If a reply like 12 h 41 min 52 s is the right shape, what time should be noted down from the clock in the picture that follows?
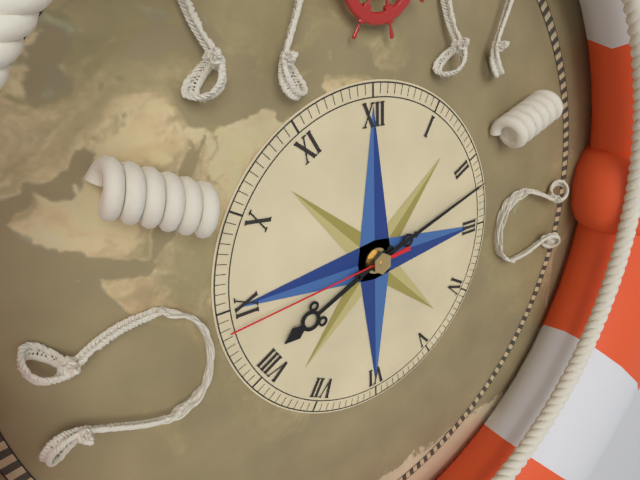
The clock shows 8 h 12 min 44 s
